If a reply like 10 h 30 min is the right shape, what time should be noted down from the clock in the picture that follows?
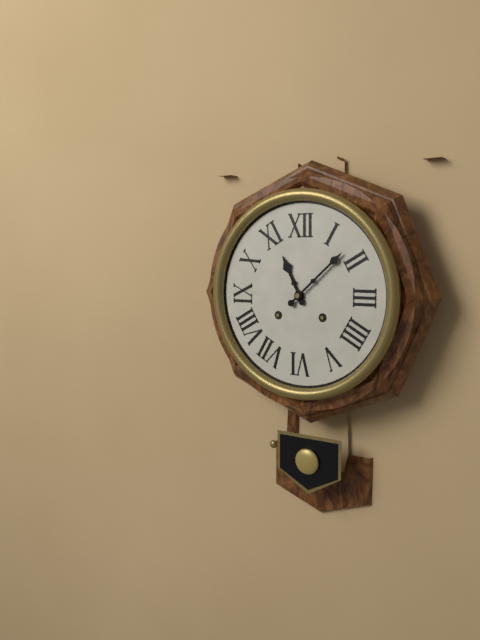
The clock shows 11 h 08 min
